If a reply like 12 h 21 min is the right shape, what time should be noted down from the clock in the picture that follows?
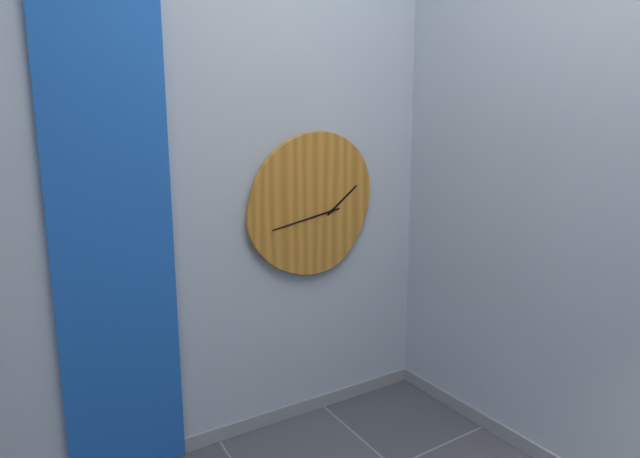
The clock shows 1 h 43 min
